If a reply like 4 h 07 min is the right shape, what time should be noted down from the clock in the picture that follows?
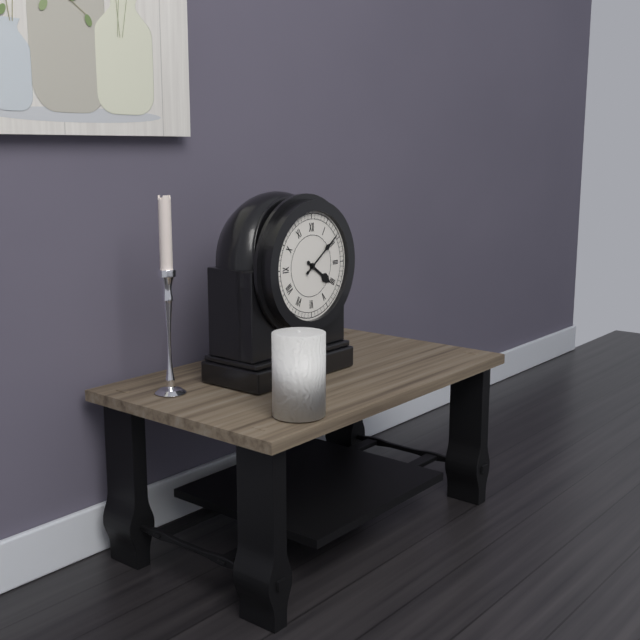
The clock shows 4 h 09 min
